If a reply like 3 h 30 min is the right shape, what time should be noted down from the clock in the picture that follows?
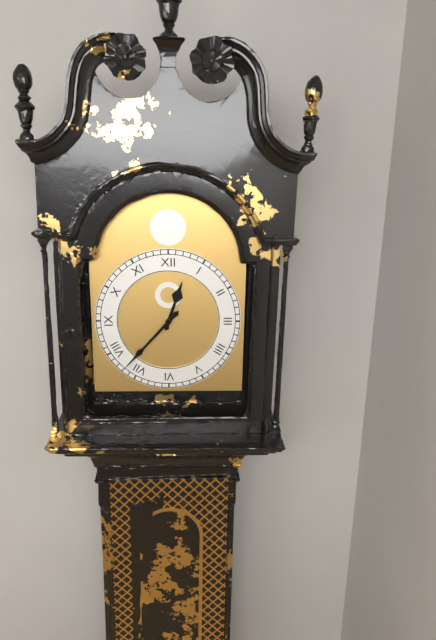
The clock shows 12 h 37 min
